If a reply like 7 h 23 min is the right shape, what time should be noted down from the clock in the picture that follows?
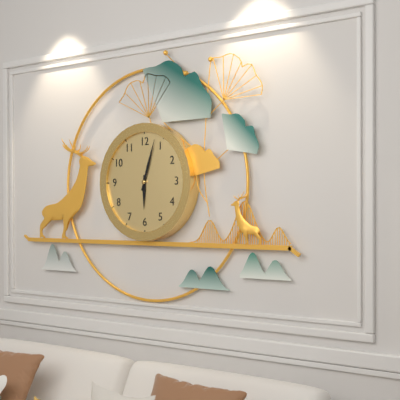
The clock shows 6 h 03 min
